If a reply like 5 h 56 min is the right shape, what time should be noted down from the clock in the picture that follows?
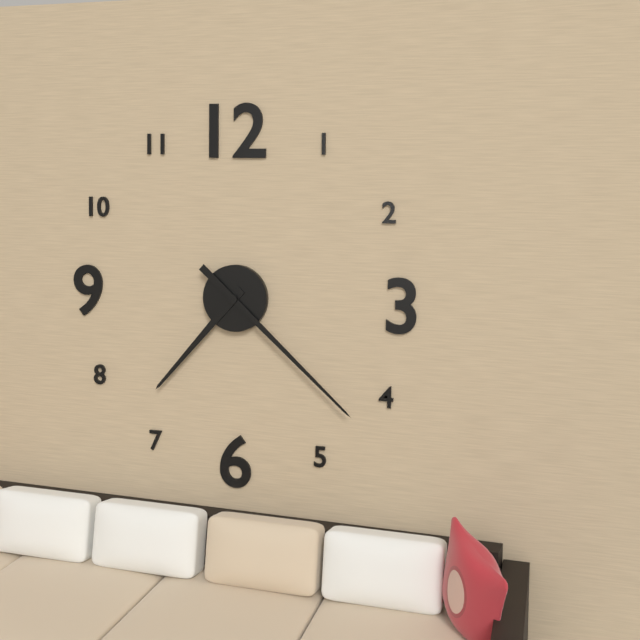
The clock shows 7 h 22 min
